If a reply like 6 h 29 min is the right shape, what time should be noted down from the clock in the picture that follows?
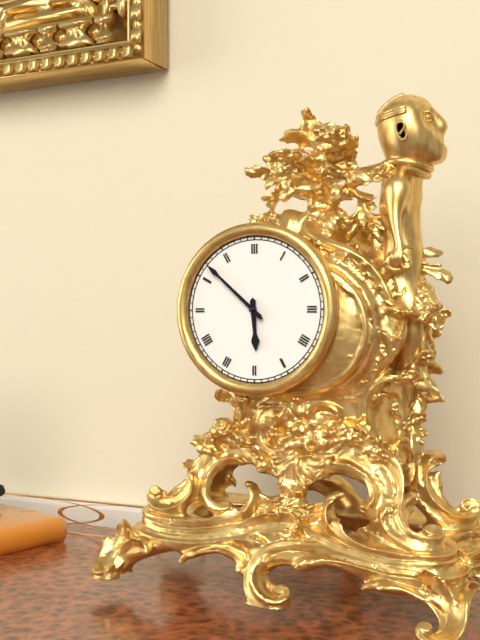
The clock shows 5 h 52 min
